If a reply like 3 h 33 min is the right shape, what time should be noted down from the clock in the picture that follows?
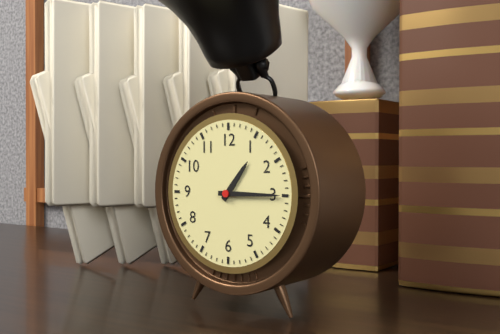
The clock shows 1 h 15 min
